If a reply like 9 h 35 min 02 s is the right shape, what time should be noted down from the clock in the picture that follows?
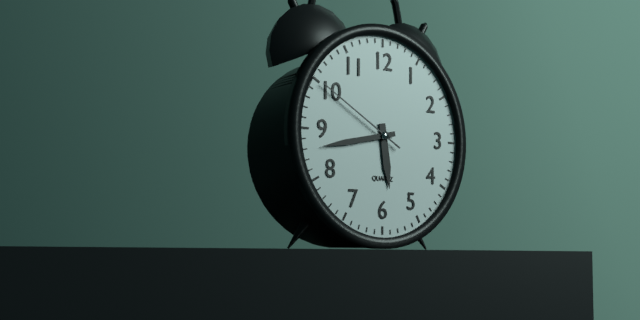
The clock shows 5 h 43 min 50 s
